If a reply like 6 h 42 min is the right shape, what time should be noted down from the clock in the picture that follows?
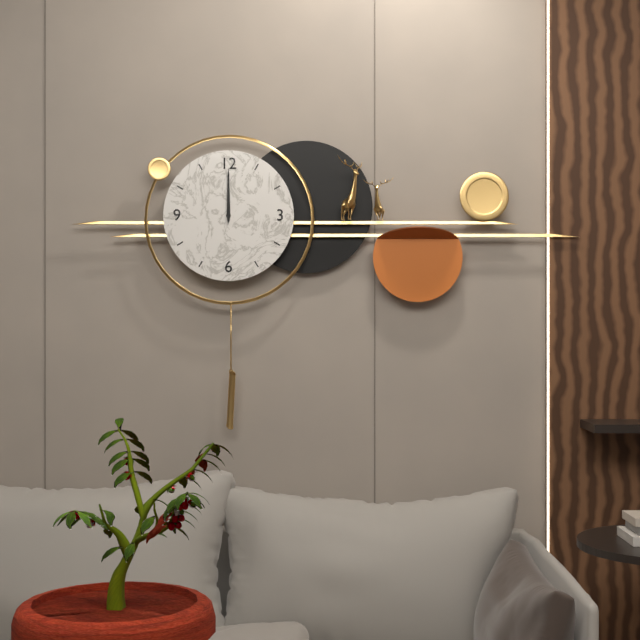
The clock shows 12 h 00 min
